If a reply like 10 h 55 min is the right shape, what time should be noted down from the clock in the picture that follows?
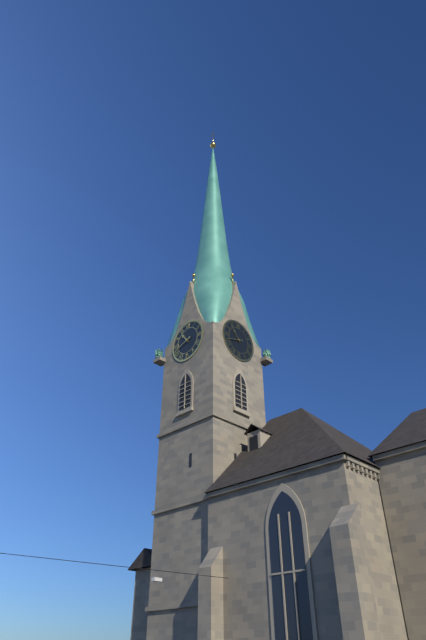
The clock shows 10 h 42 min
